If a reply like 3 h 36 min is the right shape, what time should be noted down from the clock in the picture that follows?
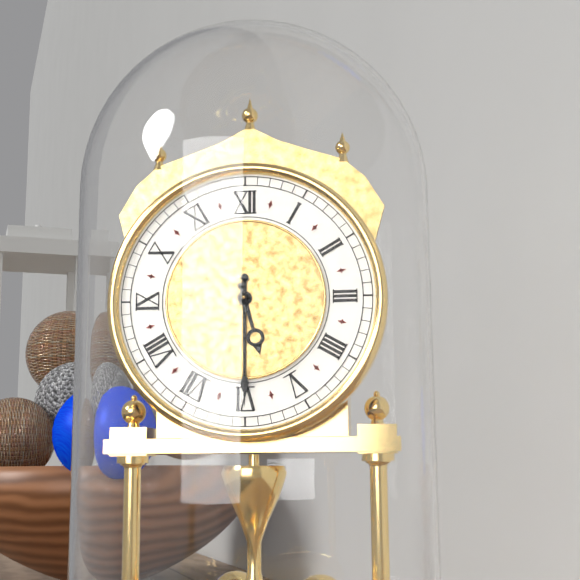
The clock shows 5 h 30 min
